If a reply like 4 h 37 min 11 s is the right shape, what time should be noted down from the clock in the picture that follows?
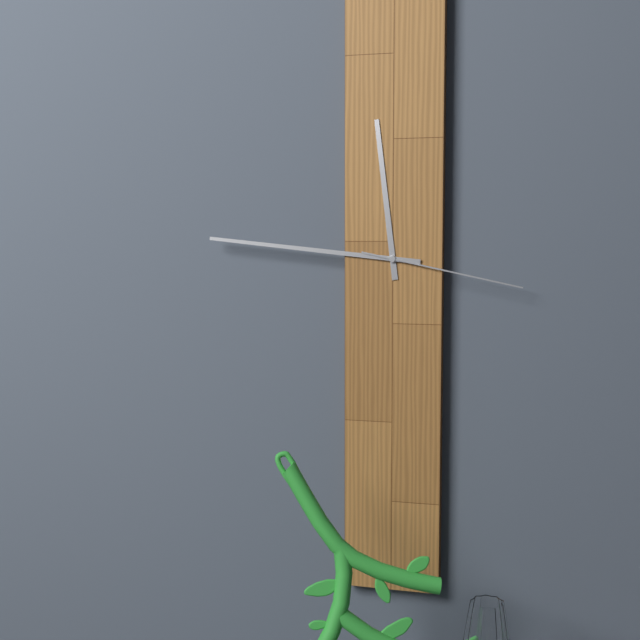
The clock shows 11 h 46 min 17 s
